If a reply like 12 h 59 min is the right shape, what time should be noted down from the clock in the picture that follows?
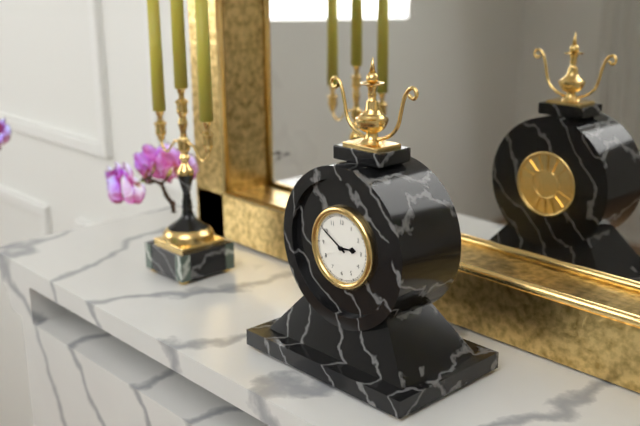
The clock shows 2 h 50 min
